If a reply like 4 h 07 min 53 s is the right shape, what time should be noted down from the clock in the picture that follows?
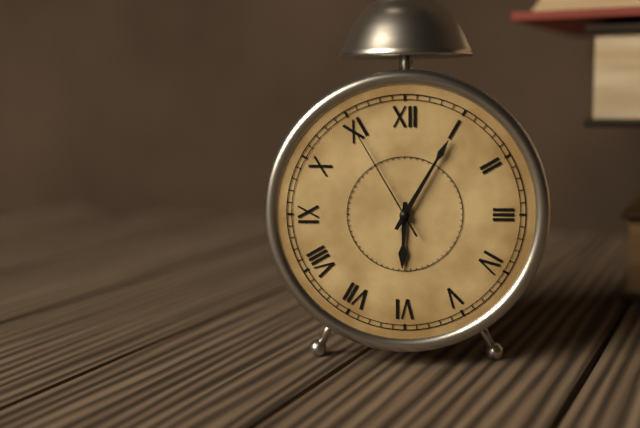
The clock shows 6 h 05 min 55 s
